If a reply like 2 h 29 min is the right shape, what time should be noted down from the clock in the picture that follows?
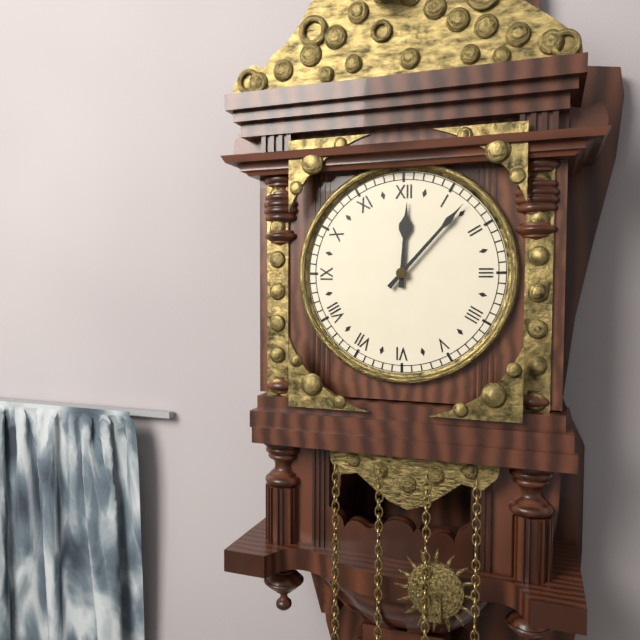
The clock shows 12 h 07 min
